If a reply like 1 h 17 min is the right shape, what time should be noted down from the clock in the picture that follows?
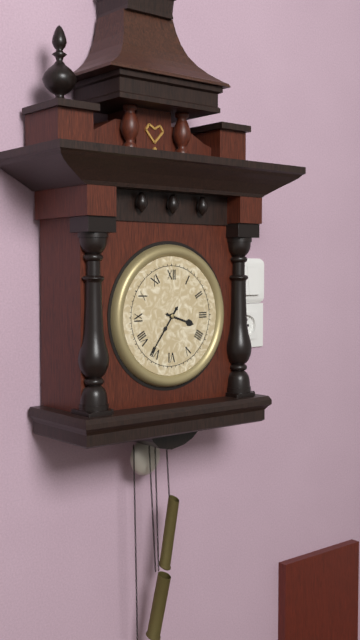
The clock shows 3 h 36 min
